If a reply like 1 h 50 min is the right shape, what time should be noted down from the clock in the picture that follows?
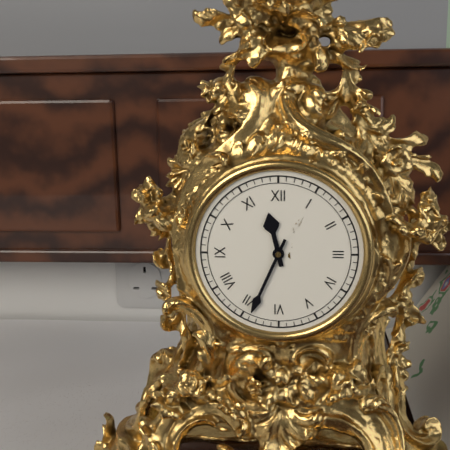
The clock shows 11 h 34 min
